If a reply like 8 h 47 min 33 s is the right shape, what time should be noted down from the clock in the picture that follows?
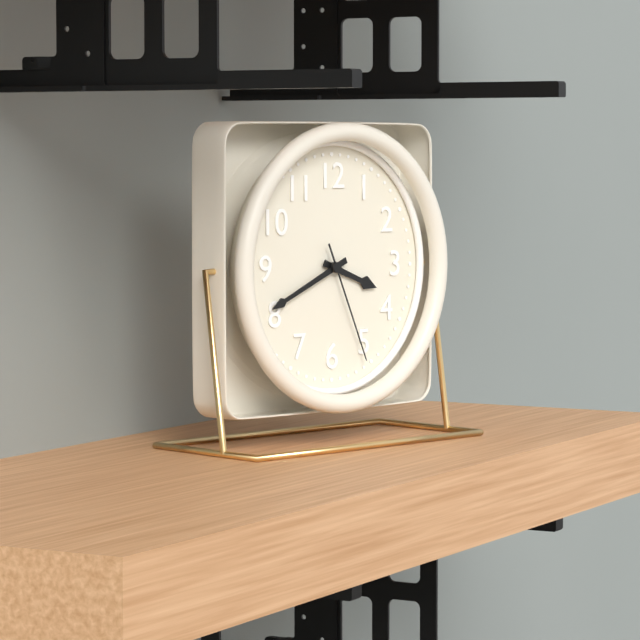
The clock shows 3 h 41 min 26 s
